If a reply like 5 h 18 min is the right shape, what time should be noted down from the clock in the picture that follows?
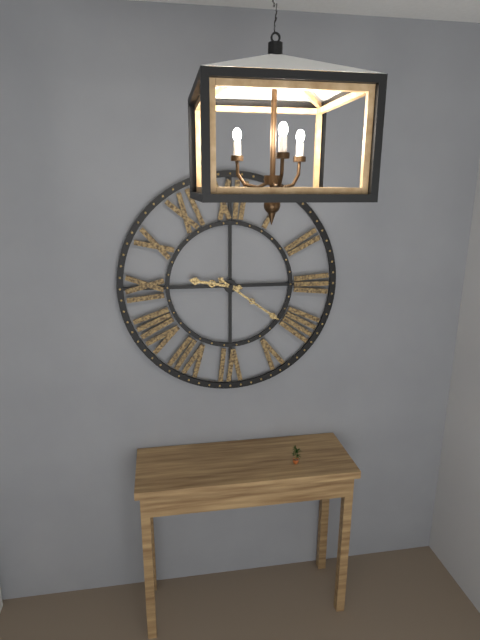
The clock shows 9 h 21 min
